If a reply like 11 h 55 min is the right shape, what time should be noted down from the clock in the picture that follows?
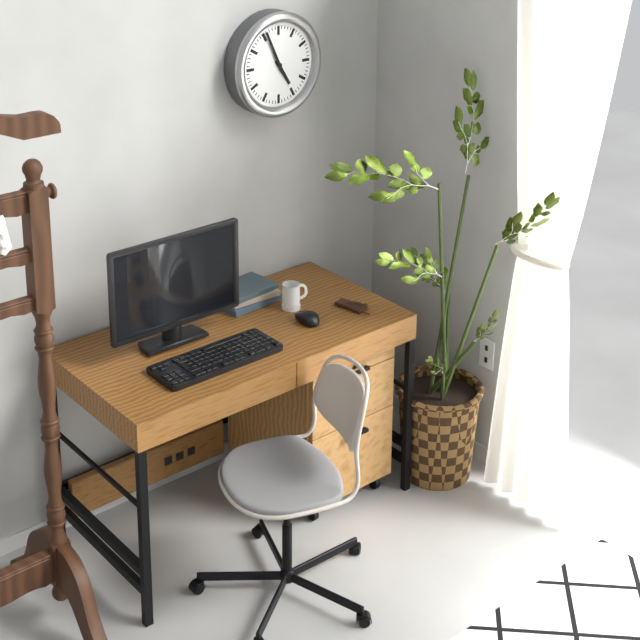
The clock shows 4 h 56 min
